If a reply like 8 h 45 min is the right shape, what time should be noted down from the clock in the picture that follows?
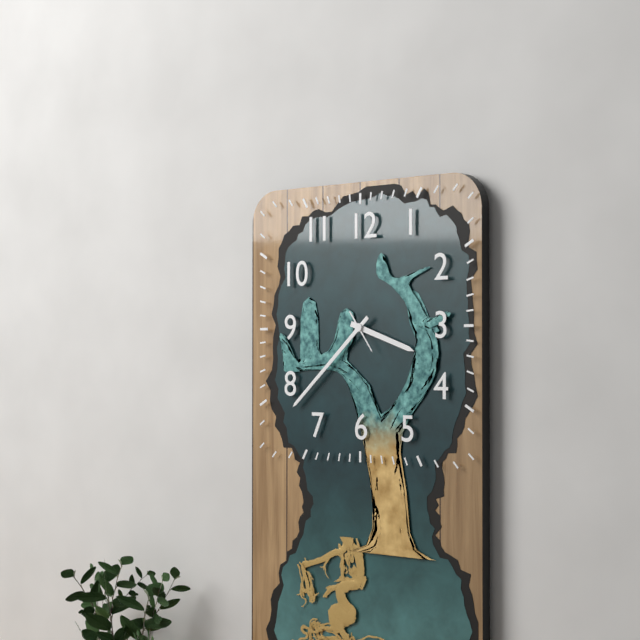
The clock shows 3 h 38 min
